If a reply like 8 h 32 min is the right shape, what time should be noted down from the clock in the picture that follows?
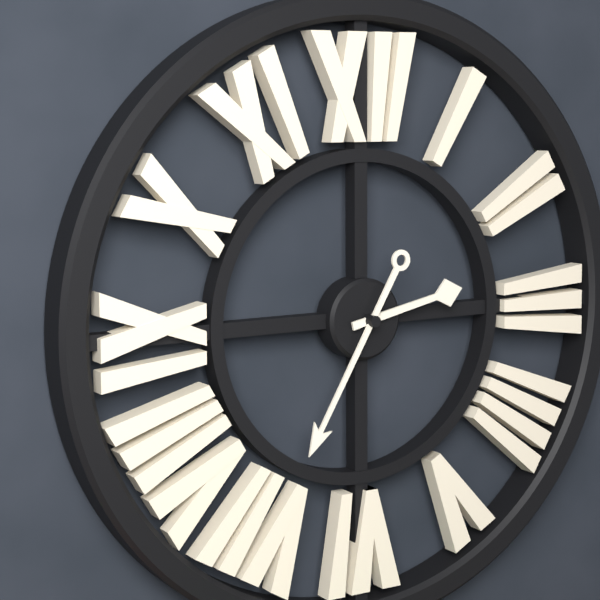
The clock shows 2 h 35 min
